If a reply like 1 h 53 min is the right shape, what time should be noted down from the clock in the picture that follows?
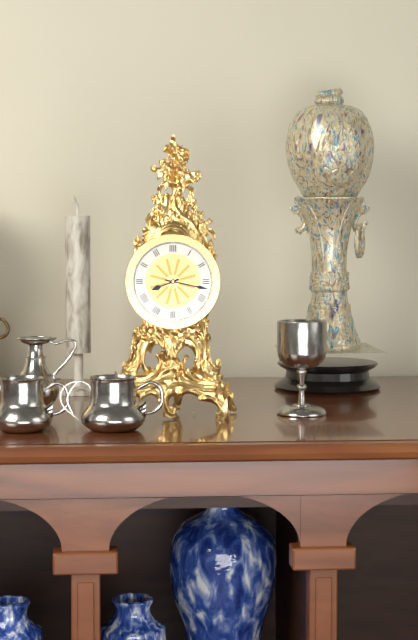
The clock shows 8 h 17 min
